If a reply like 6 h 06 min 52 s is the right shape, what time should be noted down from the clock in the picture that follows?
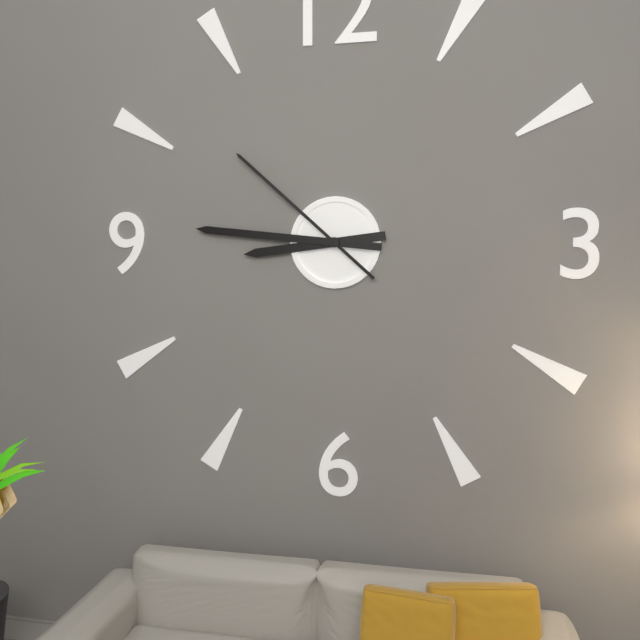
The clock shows 8 h 46 min 52 s
